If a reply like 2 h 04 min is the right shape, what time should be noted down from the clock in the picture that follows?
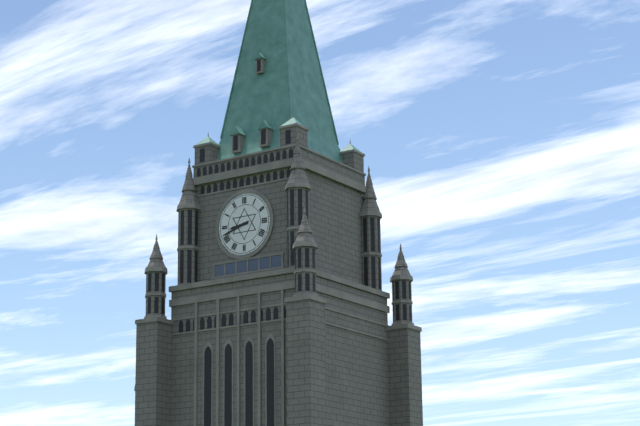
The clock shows 8 h 42 min
